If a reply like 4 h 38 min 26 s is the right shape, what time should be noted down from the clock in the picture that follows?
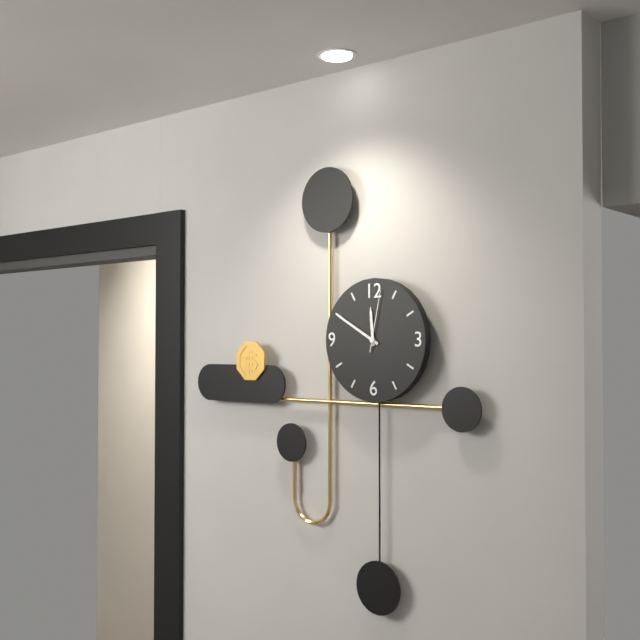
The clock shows 11 h 50 min 02 s
